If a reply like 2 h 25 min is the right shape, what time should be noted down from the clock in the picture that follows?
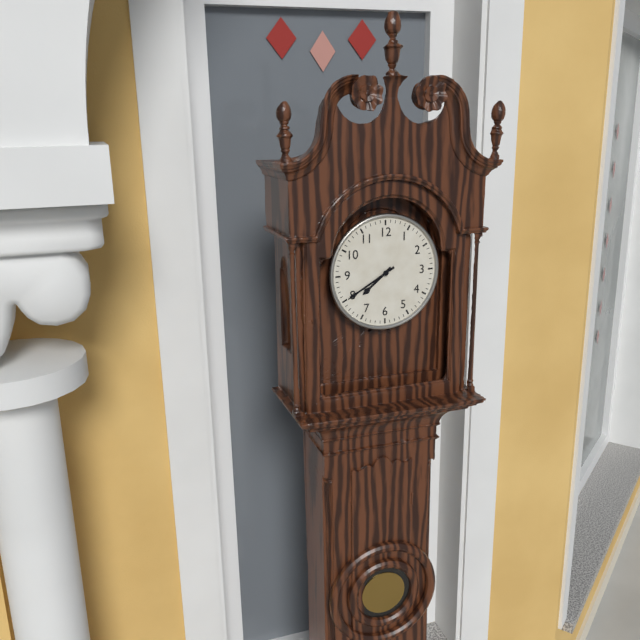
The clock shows 7 h 40 min
